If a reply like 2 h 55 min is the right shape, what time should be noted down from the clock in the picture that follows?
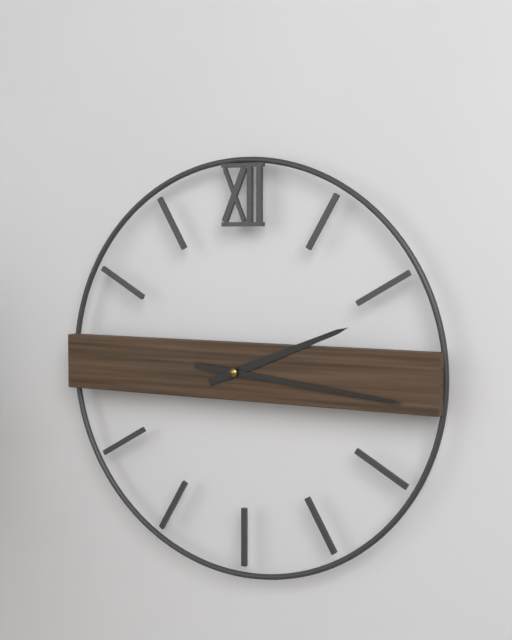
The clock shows 2 h 16 min
